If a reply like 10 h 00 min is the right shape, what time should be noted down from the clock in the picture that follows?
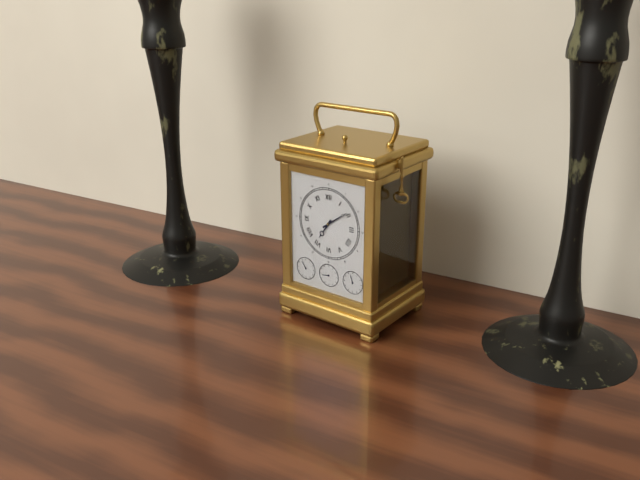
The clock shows 7 h 09 min
